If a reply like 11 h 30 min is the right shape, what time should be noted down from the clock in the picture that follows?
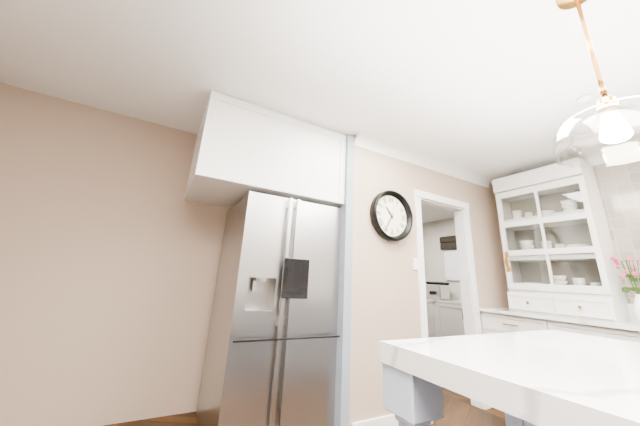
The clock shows 10 h 35 min
